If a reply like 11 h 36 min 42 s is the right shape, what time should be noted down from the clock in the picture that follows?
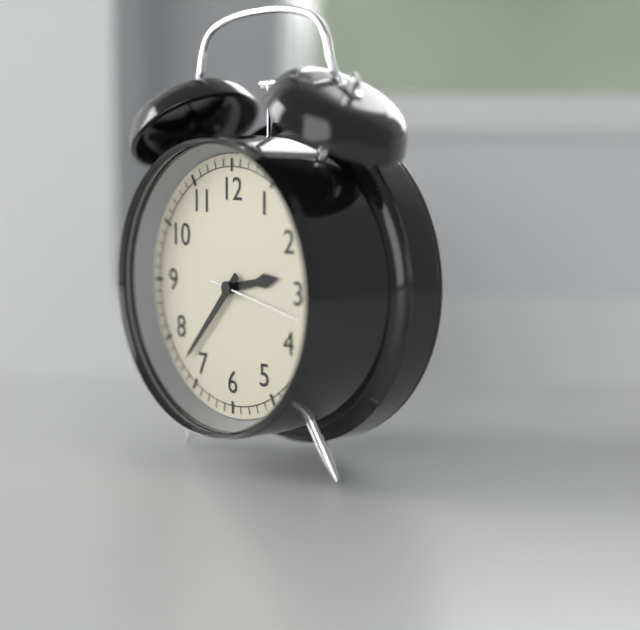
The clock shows 2 h 37 min 17 s
